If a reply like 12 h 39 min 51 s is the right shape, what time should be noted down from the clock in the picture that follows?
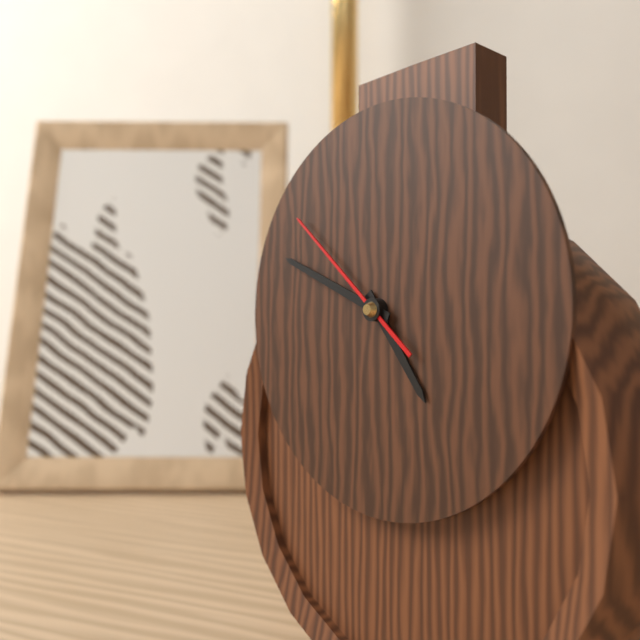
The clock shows 4 h 49 min 52 s
